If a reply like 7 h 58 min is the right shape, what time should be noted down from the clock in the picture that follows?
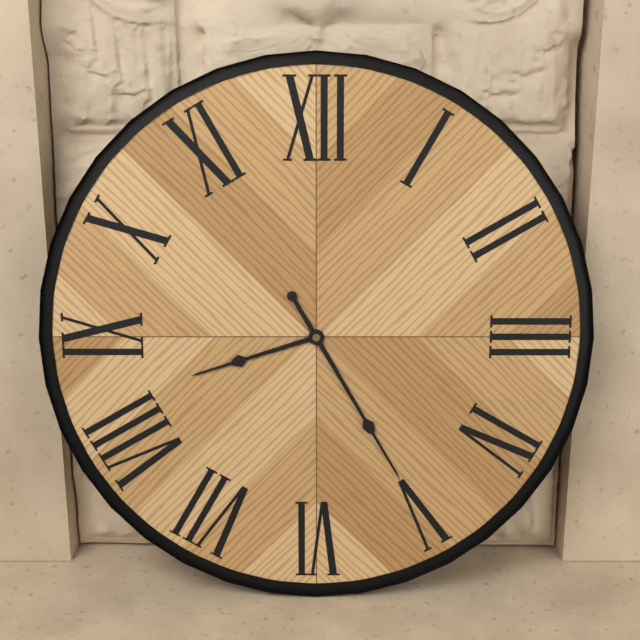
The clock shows 8 h 25 min
